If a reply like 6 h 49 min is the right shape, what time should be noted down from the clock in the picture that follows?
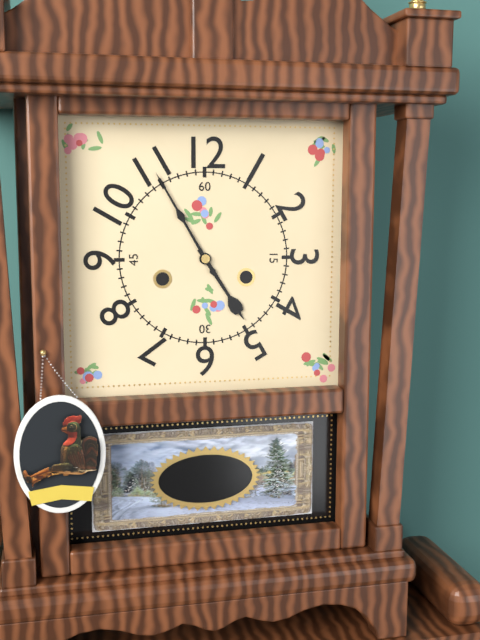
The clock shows 4 h 55 min
